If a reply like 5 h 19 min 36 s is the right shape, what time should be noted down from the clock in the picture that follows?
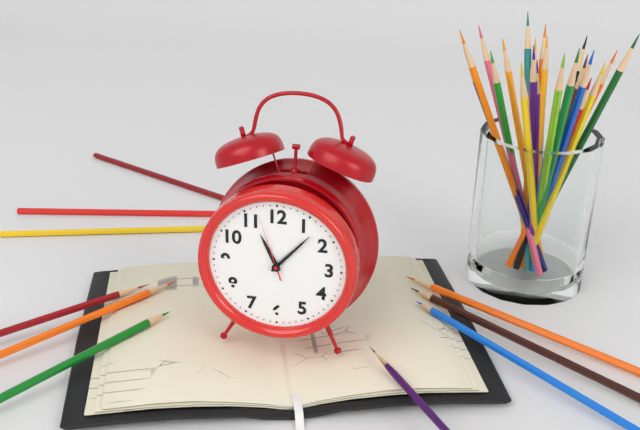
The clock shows 11 h 07 min 57 s
